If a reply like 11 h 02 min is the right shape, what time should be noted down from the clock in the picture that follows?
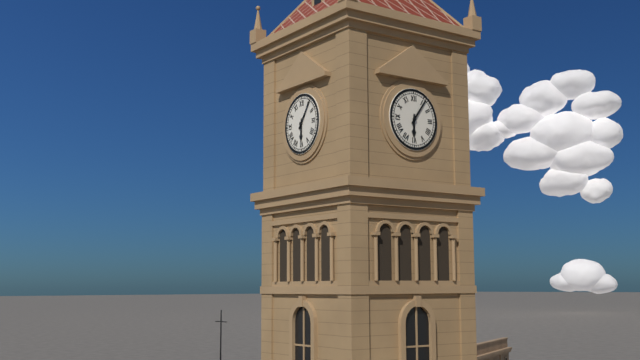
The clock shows 6 h 06 min
